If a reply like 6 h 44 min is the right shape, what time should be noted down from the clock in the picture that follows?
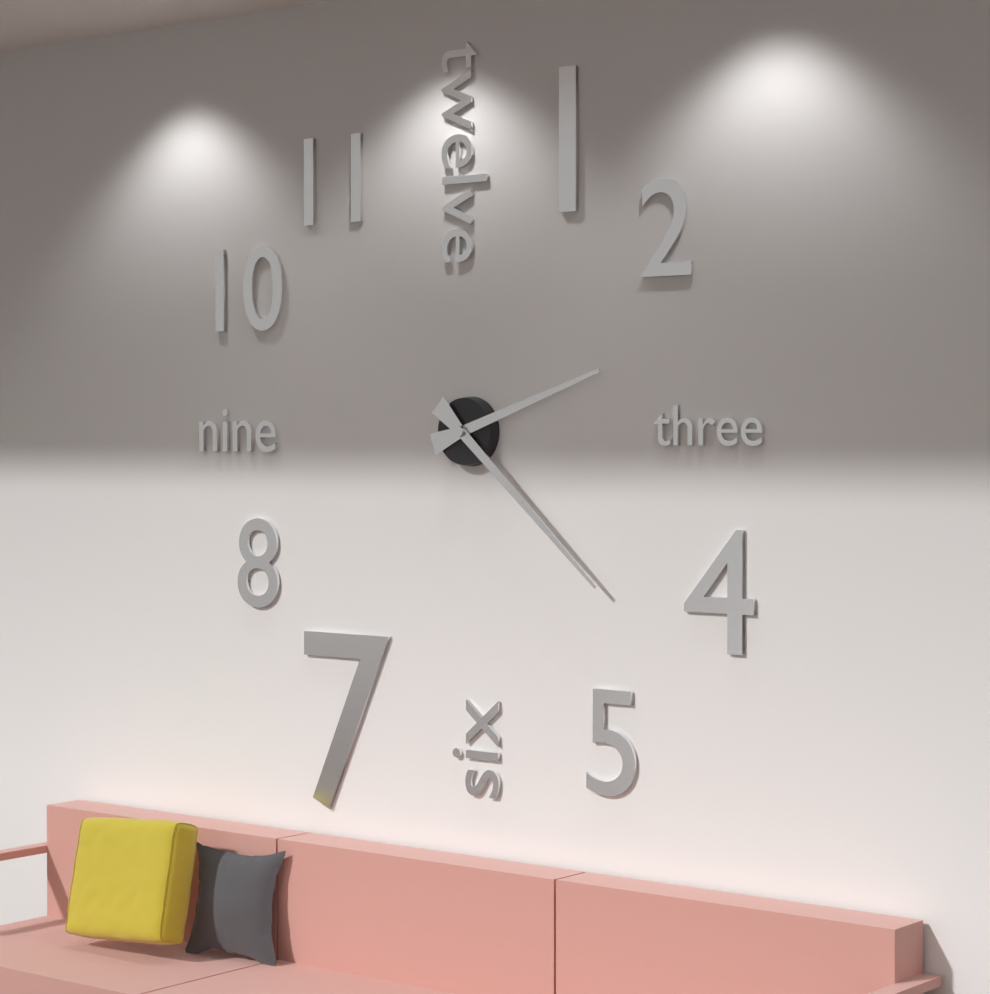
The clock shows 2 h 22 min
